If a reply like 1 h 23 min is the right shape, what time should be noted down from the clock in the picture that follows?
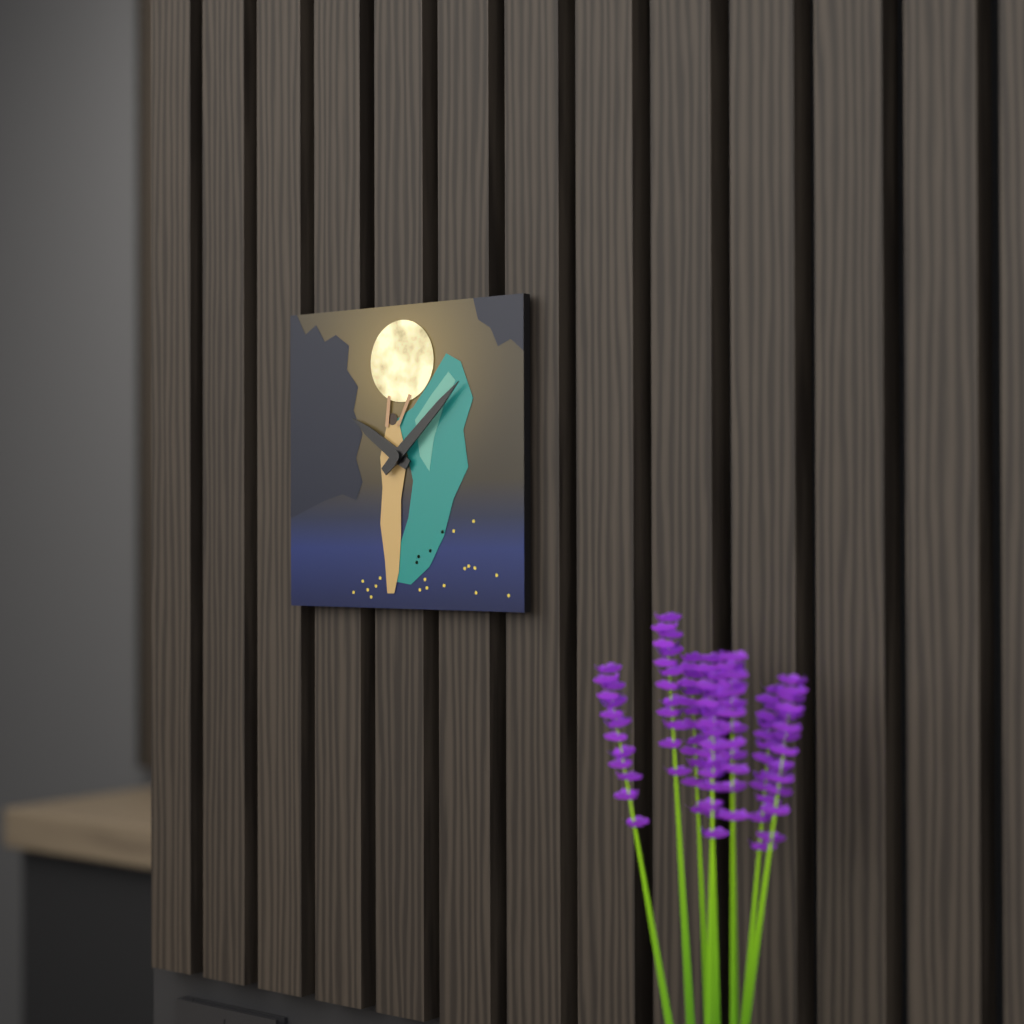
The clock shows 10 h 08 min
